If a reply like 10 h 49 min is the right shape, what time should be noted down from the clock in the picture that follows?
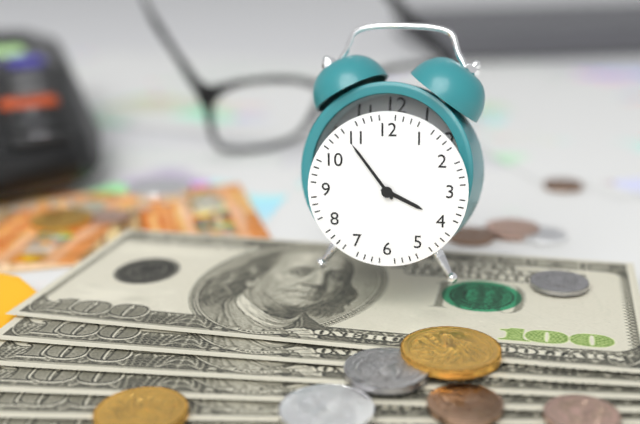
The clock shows 3 h 54 min
